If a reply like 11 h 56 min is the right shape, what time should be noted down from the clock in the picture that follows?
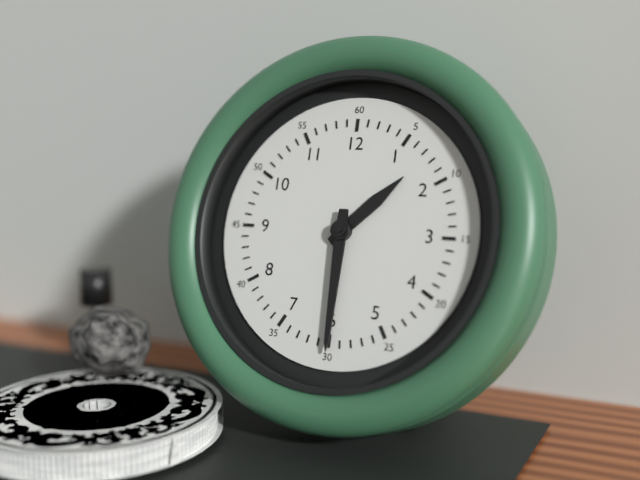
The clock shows 1 h 30 min
